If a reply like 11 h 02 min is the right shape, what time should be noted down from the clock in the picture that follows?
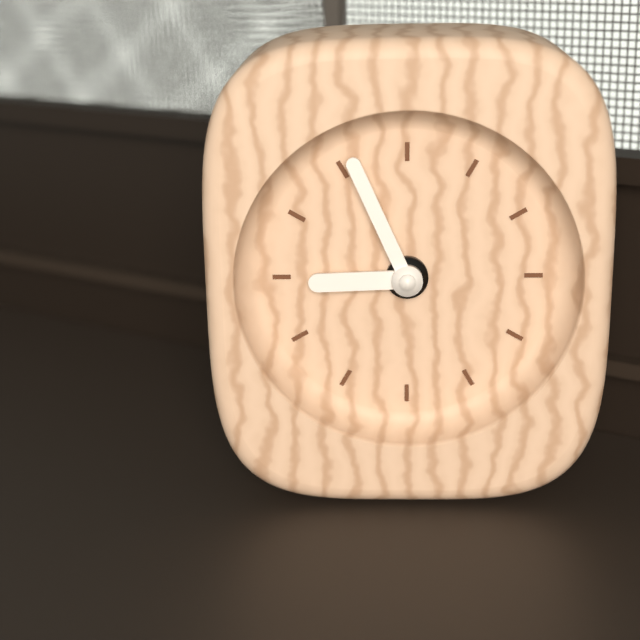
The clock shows 8 h 56 min
